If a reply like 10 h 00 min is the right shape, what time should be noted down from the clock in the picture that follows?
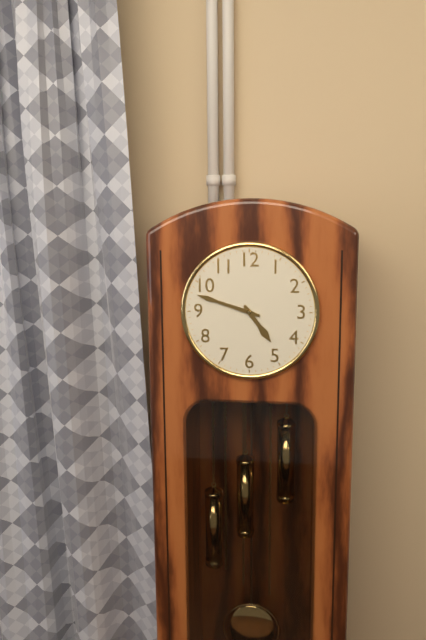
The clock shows 4 h 48 min
